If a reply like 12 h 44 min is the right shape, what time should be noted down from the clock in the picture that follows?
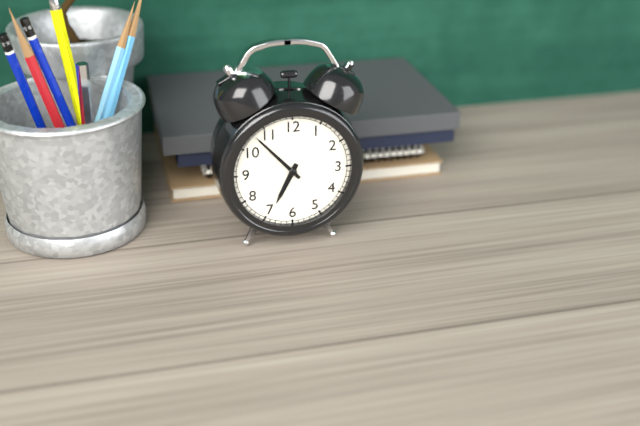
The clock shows 6 h 53 min
